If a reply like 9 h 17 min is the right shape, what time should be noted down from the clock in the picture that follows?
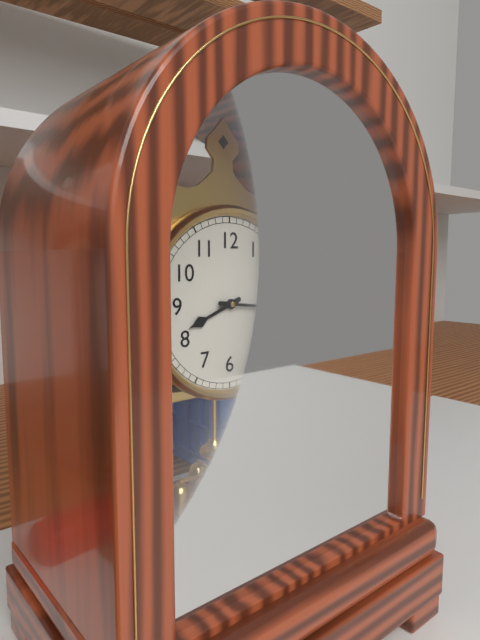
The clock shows 8 h 16 min
